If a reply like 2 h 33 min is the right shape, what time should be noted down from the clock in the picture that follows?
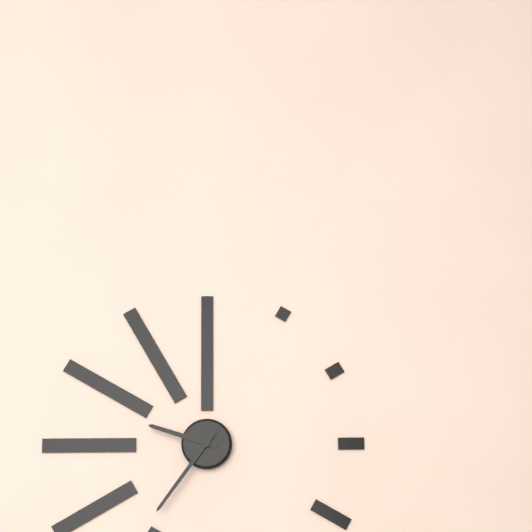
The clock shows 9 h 36 min
